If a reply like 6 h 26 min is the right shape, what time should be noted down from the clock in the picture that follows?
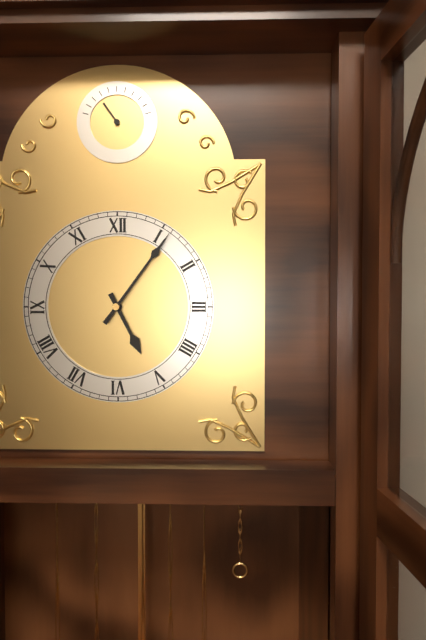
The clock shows 5 h 06 min
